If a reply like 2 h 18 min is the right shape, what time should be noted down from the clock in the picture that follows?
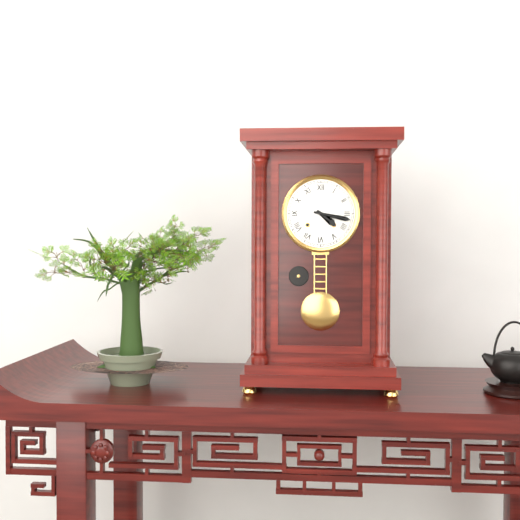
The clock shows 4 h 17 min
